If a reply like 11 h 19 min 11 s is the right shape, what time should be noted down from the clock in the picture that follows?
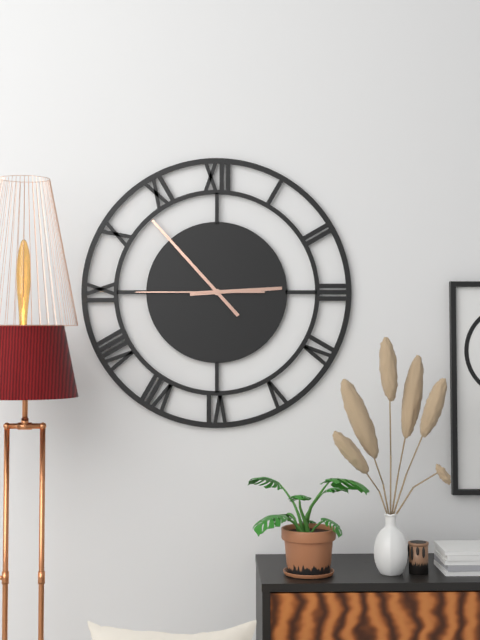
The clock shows 2 h 53 min 45 s
